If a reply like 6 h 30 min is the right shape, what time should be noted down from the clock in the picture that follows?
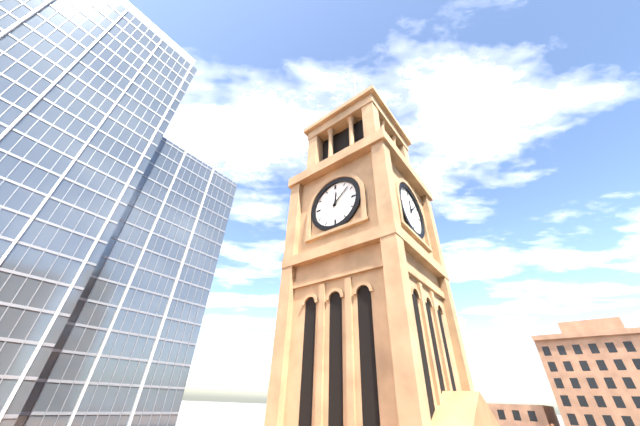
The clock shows 12 h 08 min
